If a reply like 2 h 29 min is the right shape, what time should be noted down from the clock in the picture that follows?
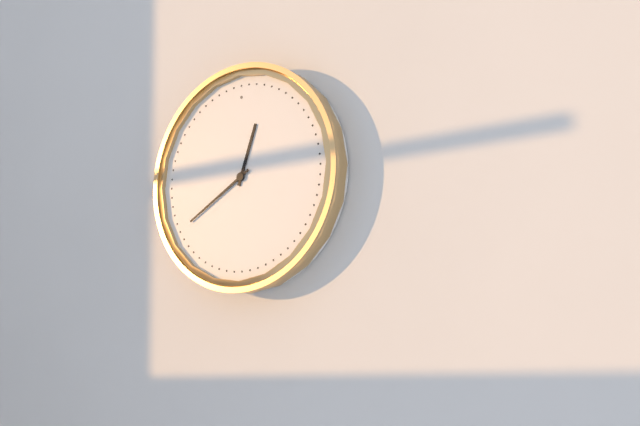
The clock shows 12 h 40 min
